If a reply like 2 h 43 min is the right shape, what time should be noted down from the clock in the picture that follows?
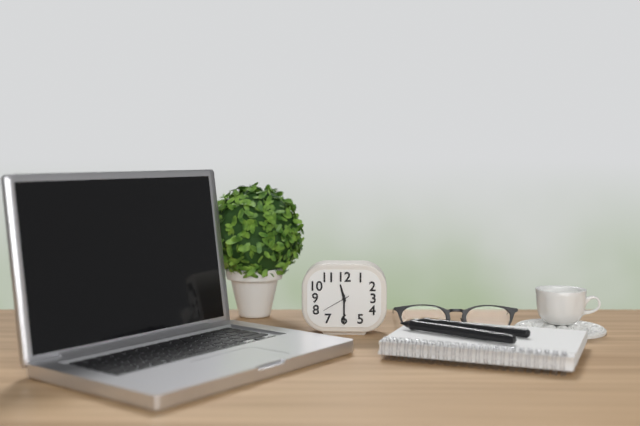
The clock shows 11 h 30 min
